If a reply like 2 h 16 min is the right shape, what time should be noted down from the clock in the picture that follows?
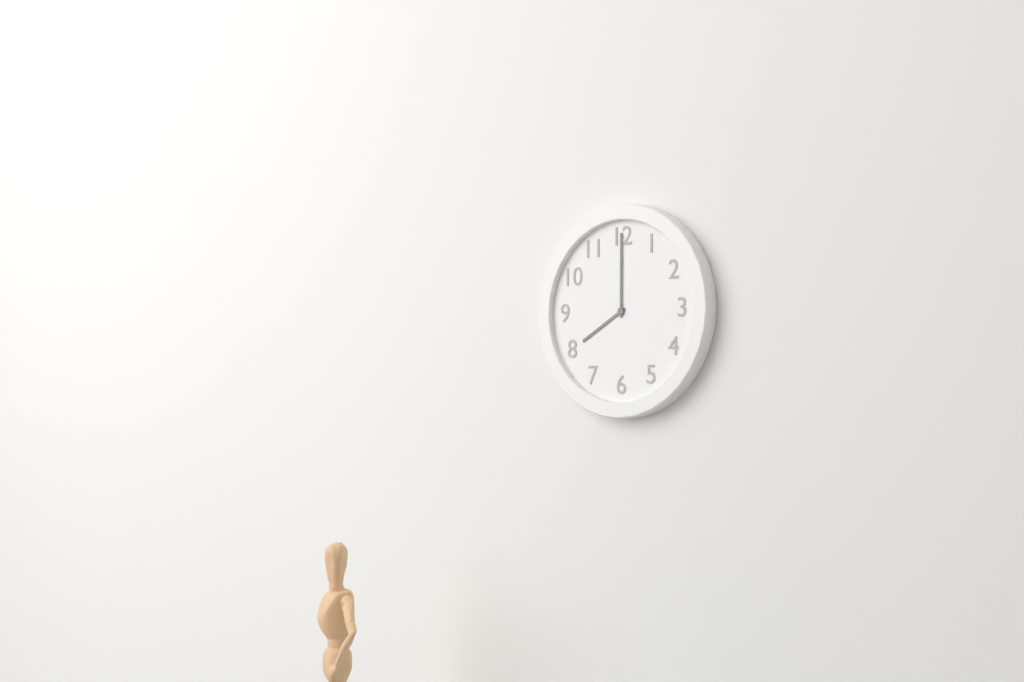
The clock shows 8 h 00 min
